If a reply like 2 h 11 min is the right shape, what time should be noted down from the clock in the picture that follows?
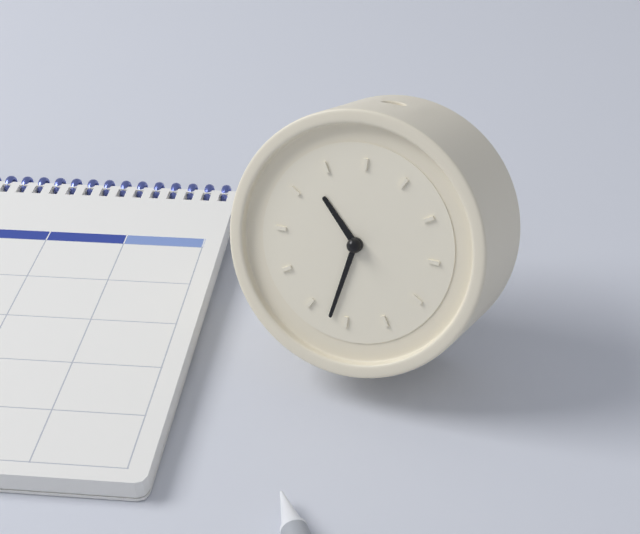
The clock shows 10 h 32 min
